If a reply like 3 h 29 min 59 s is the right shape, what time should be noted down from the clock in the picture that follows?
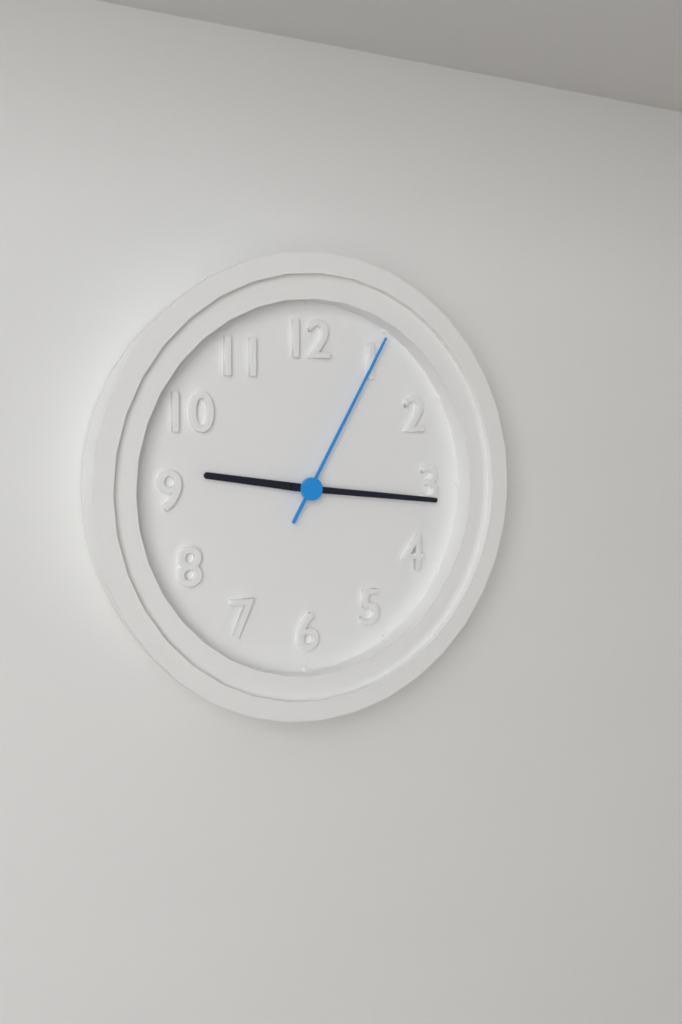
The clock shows 9 h 16 min 05 s
